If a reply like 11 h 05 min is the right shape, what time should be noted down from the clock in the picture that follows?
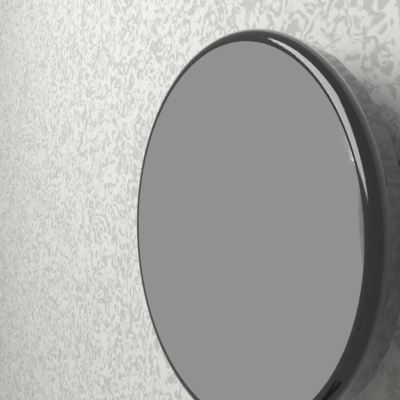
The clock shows 10 h 10 min
